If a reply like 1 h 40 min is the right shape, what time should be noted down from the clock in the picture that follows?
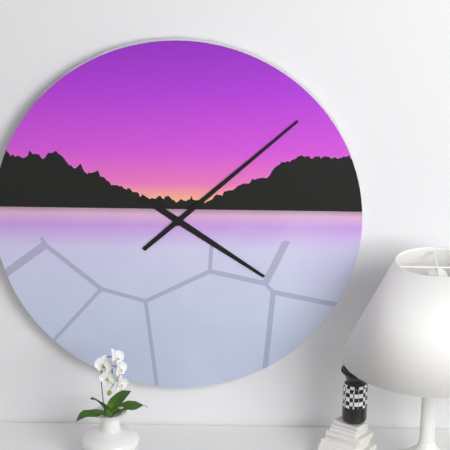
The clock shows 4 h 08 min
